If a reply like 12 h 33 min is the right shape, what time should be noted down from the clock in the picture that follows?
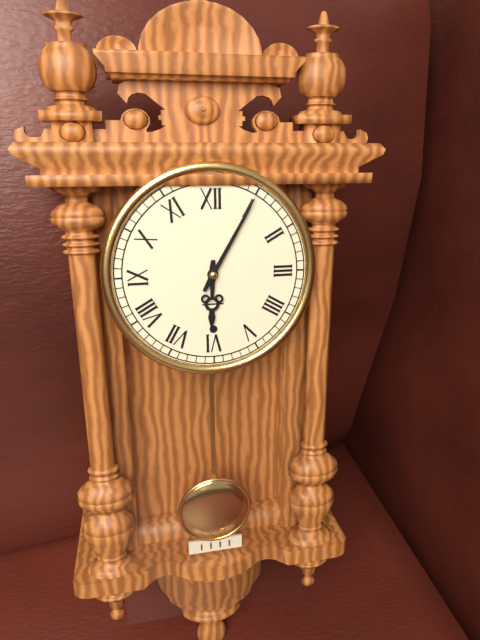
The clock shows 6 h 05 min
